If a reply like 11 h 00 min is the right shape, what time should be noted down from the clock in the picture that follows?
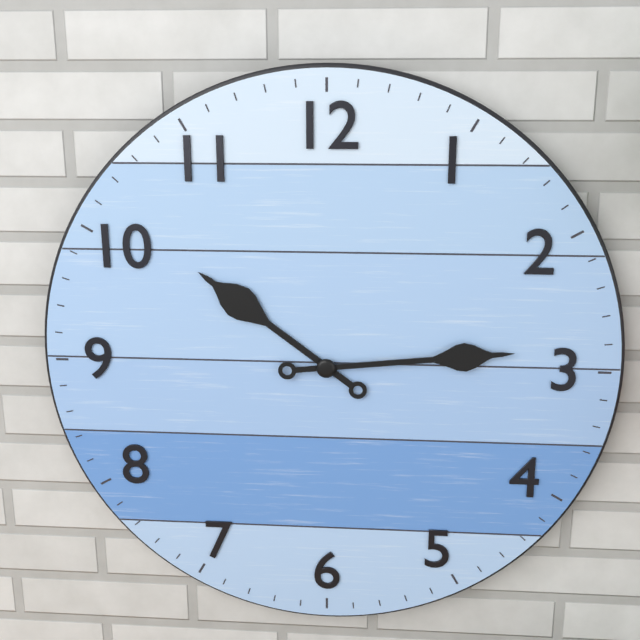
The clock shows 10 h 14 min
